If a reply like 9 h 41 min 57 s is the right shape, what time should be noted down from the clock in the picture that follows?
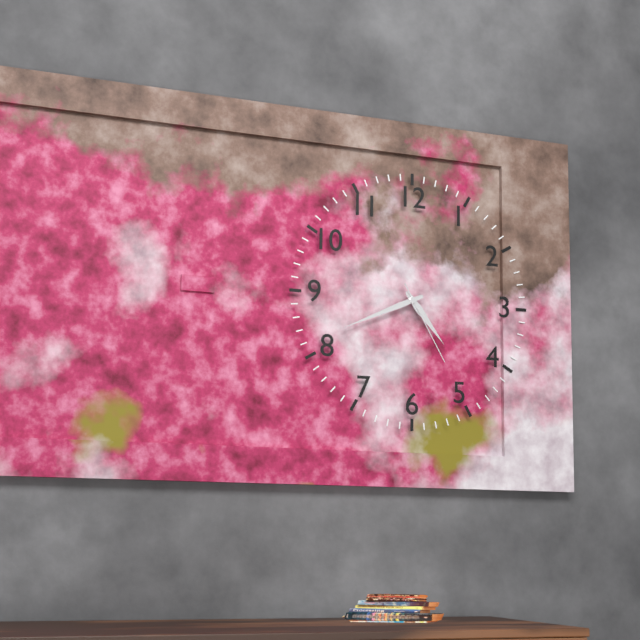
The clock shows 4 h 41 min 25 s
